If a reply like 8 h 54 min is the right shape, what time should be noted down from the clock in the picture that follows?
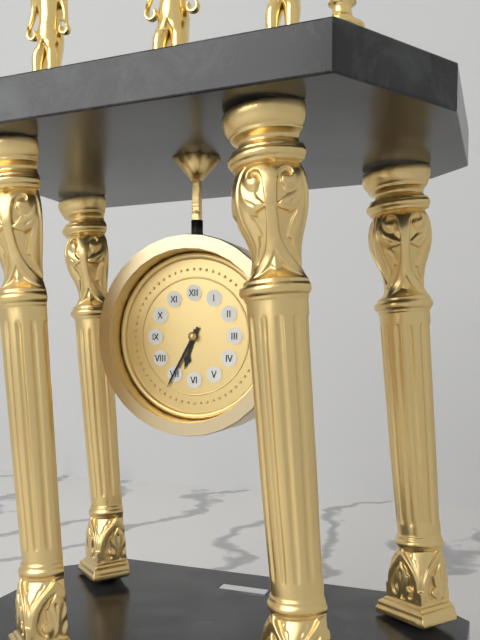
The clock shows 6 h 35 min
